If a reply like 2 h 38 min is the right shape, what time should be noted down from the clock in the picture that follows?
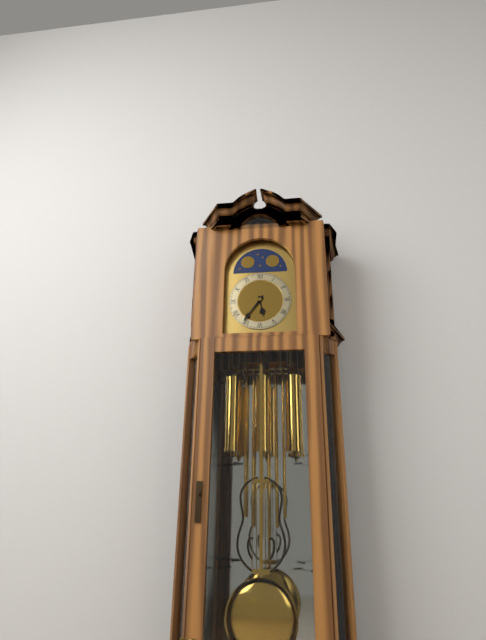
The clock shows 5 h 36 min
